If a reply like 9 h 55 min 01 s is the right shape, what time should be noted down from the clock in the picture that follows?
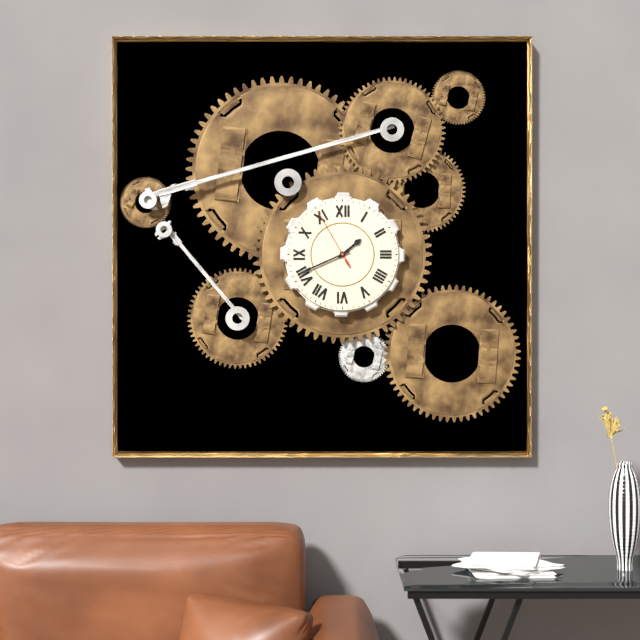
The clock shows 1 h 41 min 55 s
